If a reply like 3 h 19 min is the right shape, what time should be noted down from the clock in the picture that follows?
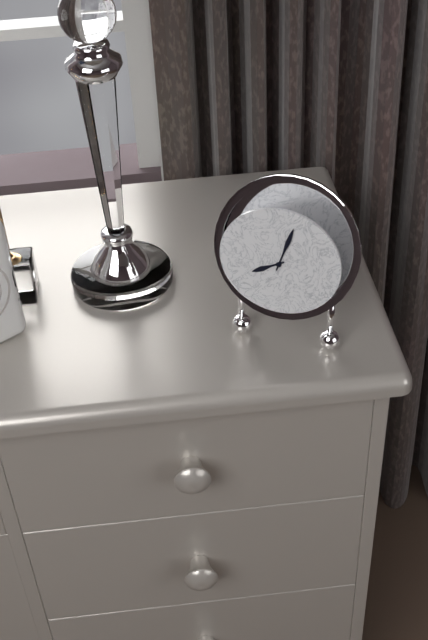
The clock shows 8 h 03 min
